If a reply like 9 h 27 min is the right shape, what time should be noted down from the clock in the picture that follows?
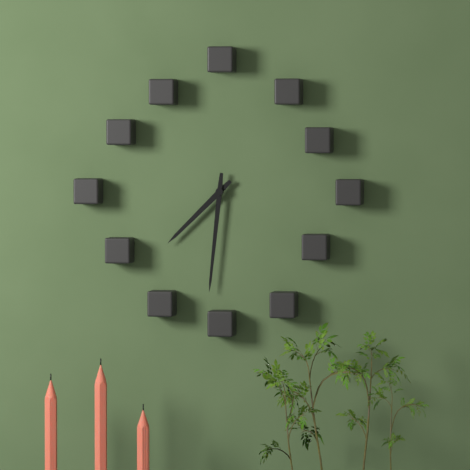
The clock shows 7 h 31 min
